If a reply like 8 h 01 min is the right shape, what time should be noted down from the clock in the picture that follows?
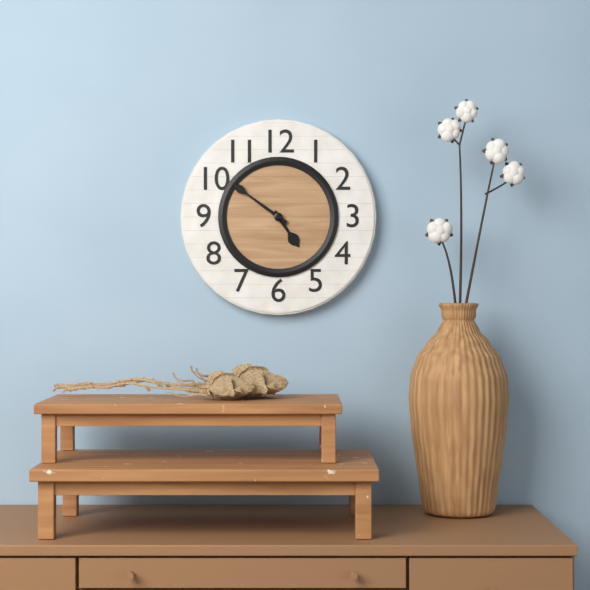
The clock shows 4 h 51 min
